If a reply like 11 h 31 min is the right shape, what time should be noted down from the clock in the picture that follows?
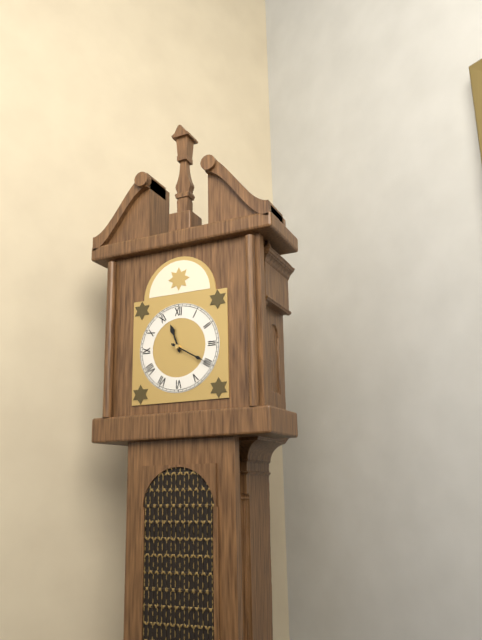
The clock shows 11 h 20 min
